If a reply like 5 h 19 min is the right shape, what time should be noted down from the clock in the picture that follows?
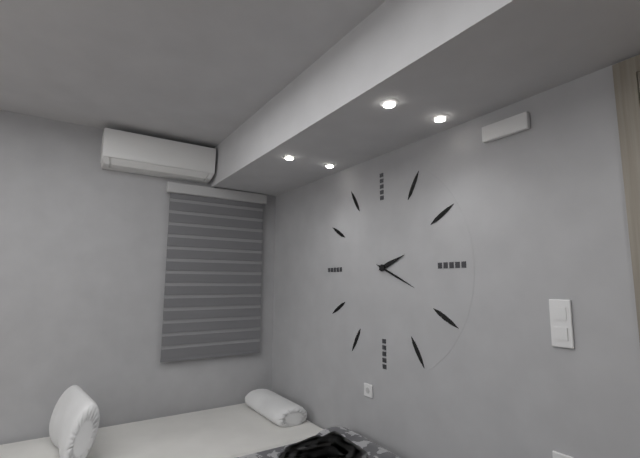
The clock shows 2 h 19 min
